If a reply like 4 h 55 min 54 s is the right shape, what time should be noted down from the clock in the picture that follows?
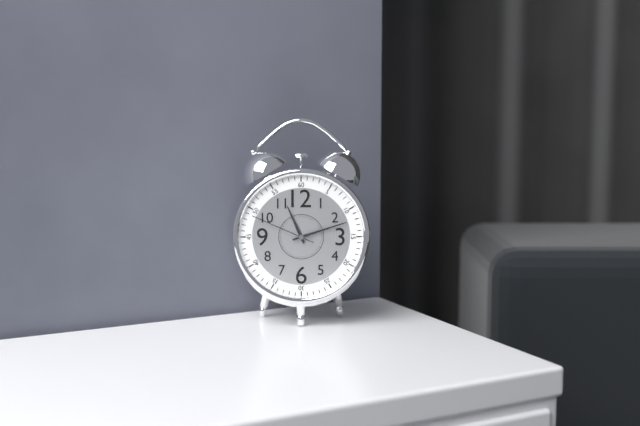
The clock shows 11 h 12 min 49 s
